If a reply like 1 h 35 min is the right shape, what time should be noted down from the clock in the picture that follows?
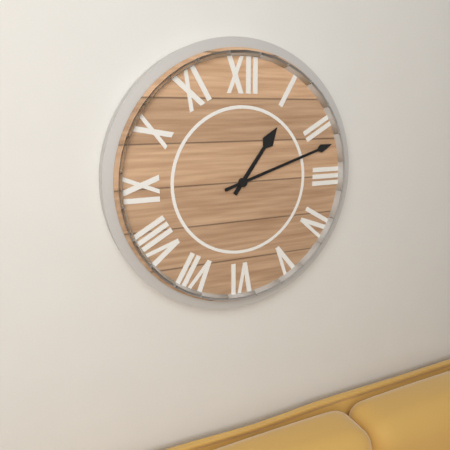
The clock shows 1 h 12 min
